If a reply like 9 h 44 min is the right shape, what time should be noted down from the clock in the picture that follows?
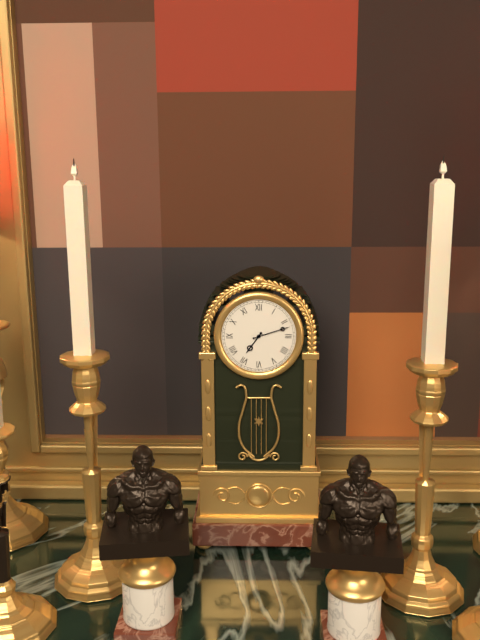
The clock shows 7 h 12 min
